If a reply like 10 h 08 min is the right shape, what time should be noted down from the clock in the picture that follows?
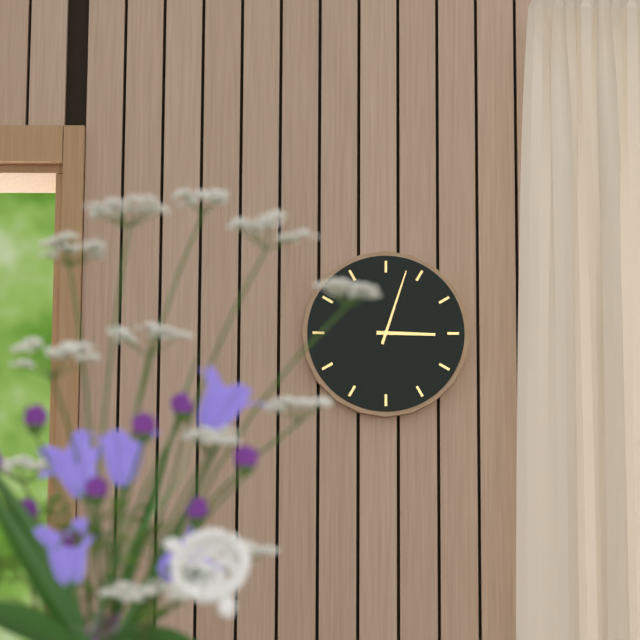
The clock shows 3 h 03 min
